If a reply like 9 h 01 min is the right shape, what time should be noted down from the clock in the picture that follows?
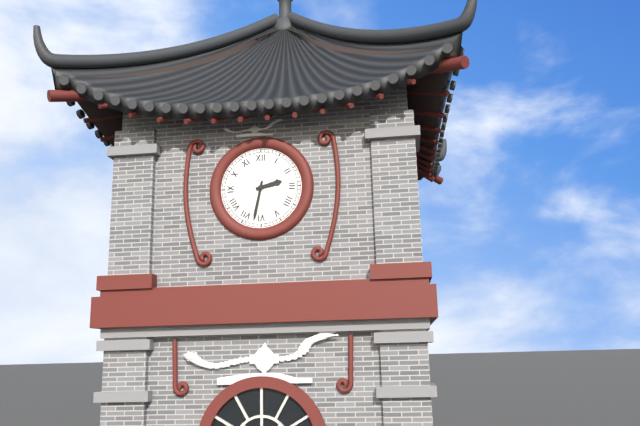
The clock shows 2 h 32 min
